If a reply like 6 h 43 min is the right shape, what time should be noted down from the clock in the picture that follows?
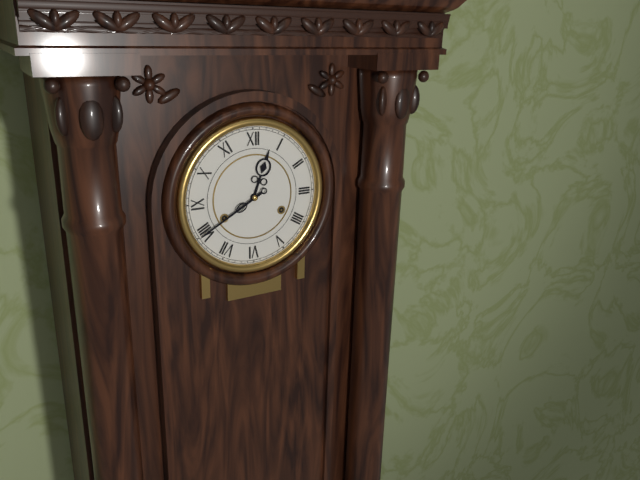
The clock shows 12 h 40 min
